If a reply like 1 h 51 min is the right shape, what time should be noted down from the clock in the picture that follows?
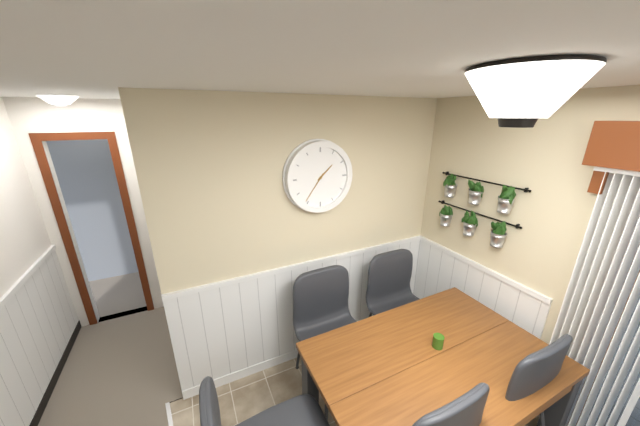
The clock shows 1 h 36 min
